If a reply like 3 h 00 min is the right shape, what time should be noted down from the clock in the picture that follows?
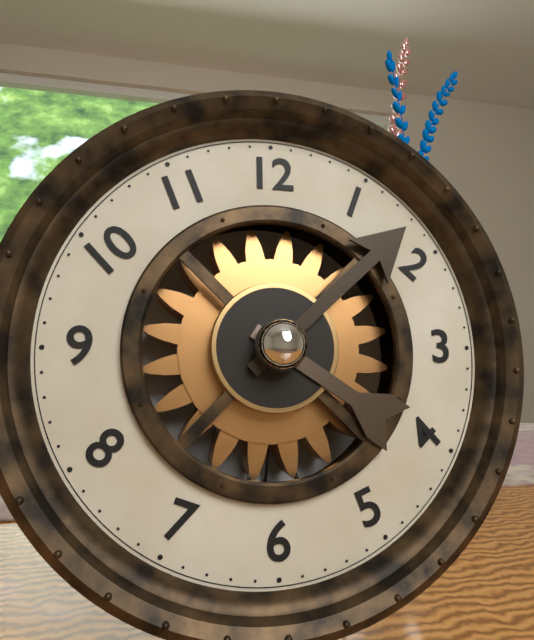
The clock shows 4 h 08 min
